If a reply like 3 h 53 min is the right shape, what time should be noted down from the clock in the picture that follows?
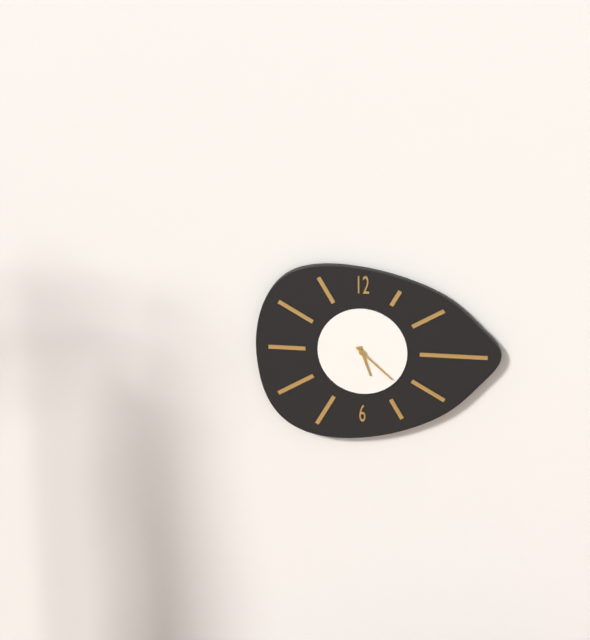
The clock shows 5 h 22 min
